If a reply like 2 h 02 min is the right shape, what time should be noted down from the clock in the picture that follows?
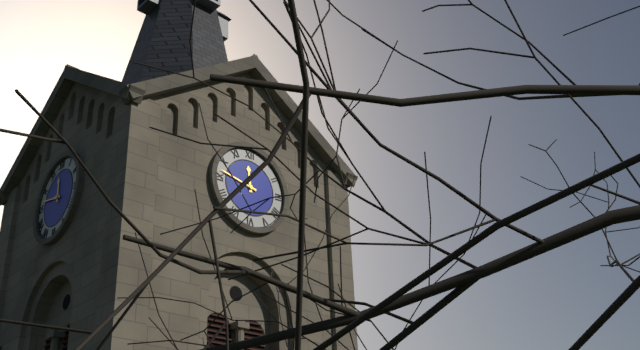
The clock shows 11 h 47 min
